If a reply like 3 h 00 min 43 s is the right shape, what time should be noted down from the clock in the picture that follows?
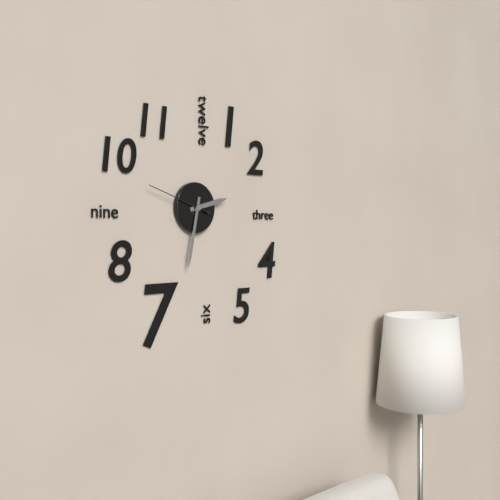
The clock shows 2 h 32 min 48 s
